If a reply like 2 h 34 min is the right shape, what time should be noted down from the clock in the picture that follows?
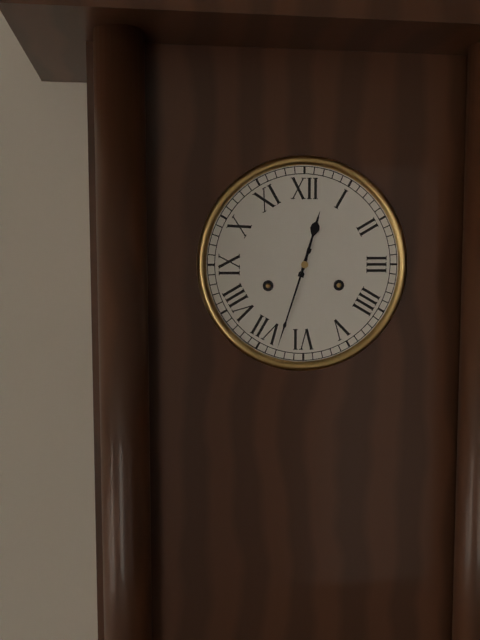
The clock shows 12 h 33 min
